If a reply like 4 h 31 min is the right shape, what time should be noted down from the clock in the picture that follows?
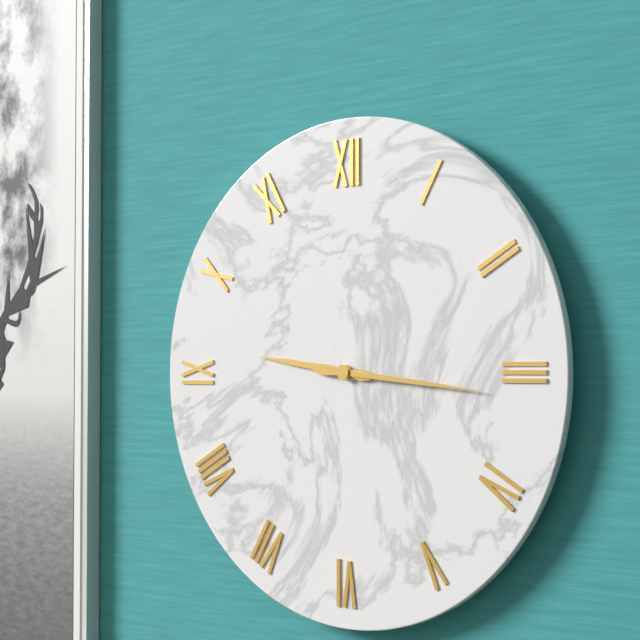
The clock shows 9 h 16 min
